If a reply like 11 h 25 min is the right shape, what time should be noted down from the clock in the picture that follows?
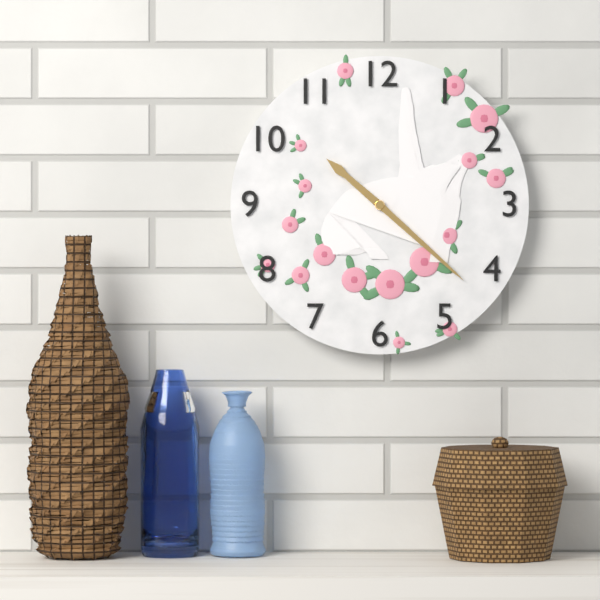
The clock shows 10 h 22 min
